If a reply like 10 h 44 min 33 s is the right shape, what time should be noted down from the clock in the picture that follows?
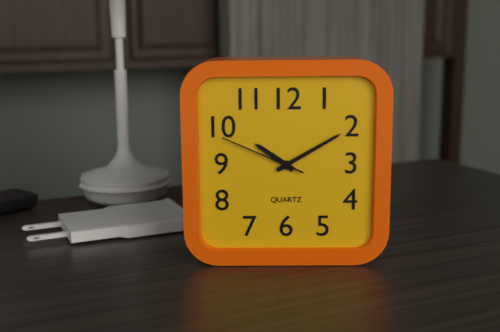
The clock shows 10 h 10 min 49 s
